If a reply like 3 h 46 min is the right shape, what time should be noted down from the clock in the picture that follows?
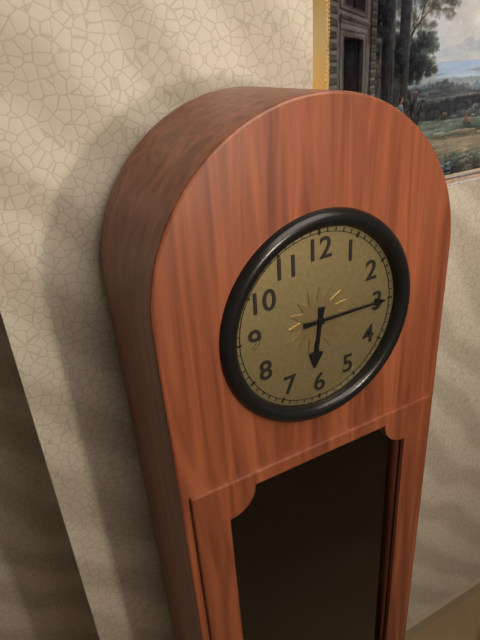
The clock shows 6 h 15 min
